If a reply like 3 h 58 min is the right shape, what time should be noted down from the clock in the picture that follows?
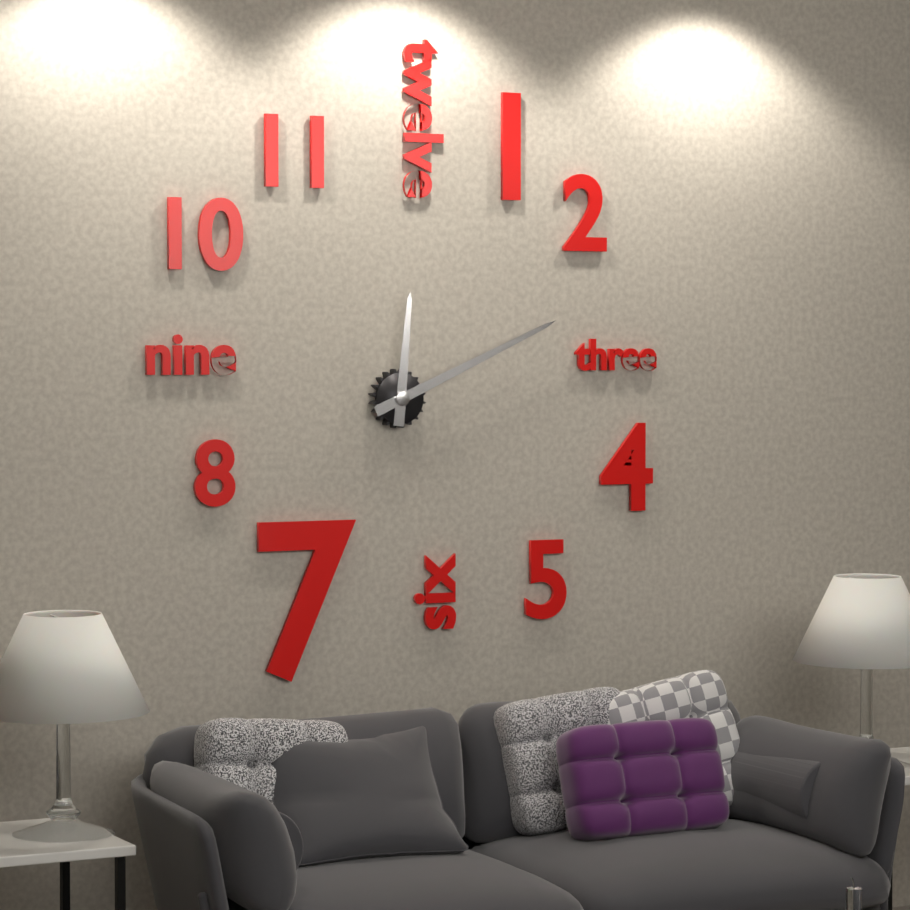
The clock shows 12 h 11 min
